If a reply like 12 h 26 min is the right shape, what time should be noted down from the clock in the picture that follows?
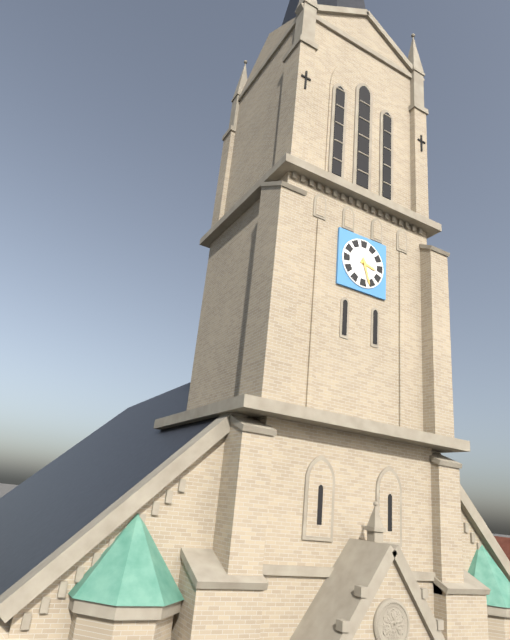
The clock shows 3 h 27 min
